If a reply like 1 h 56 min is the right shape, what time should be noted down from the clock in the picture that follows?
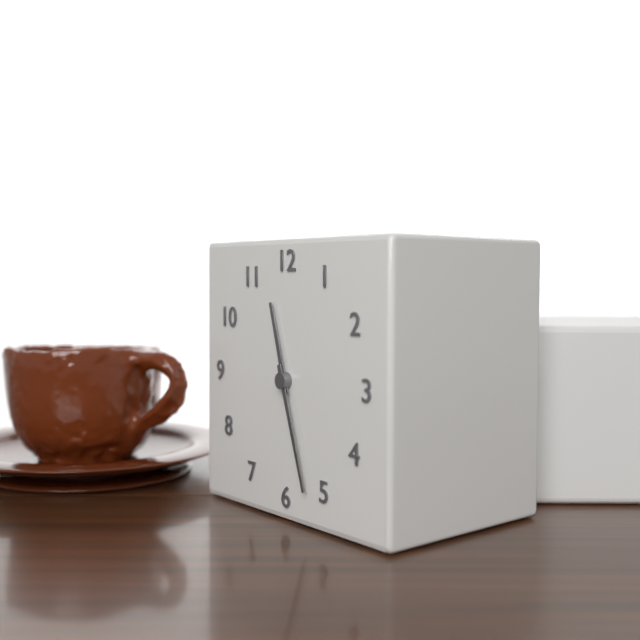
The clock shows 11 h 27 min
